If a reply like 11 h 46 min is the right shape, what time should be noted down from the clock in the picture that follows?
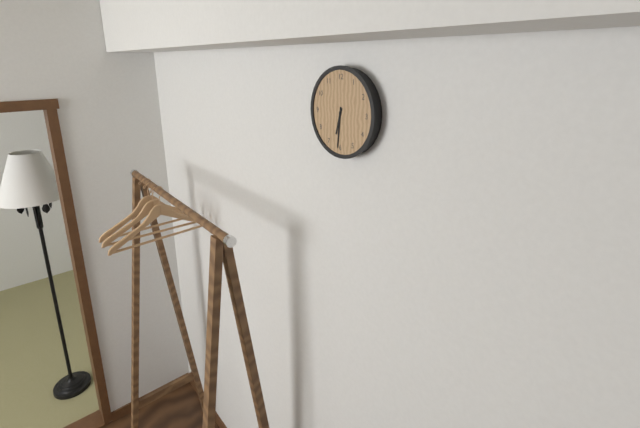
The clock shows 6 h 31 min
